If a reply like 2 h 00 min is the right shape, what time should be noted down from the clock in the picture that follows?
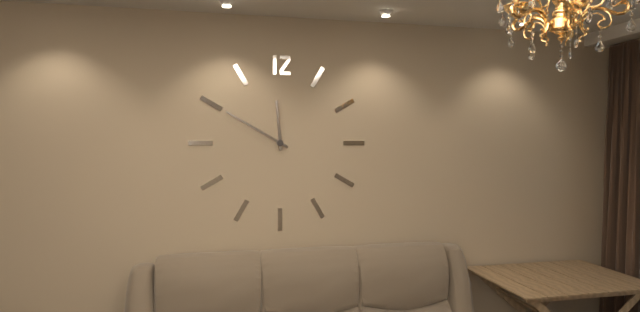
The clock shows 11 h 50 min
